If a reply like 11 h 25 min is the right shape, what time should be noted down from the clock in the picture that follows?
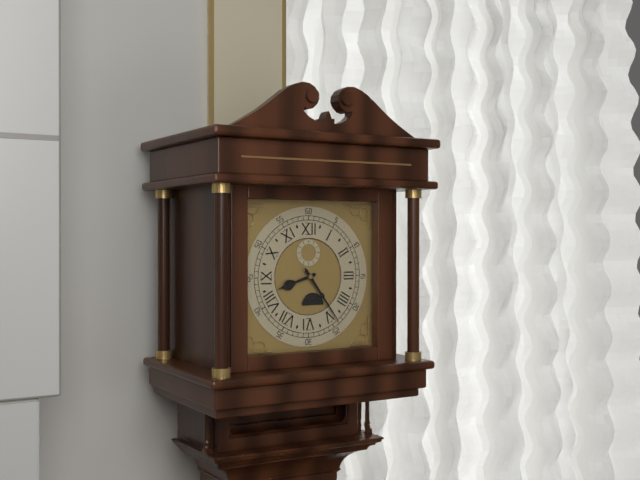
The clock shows 8 h 24 min
